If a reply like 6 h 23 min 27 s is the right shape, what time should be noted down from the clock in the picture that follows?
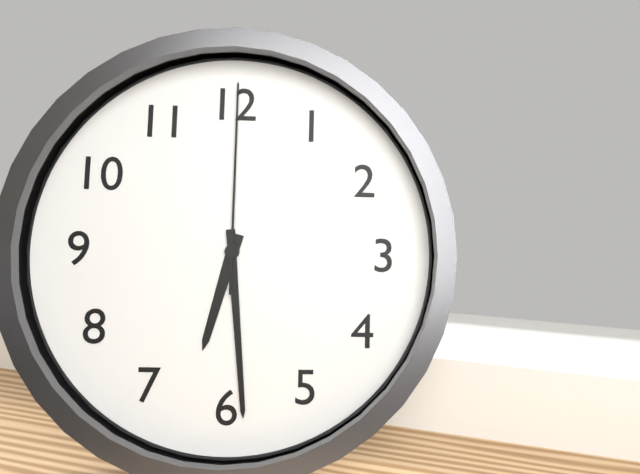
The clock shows 6 h 29 min 00 s
